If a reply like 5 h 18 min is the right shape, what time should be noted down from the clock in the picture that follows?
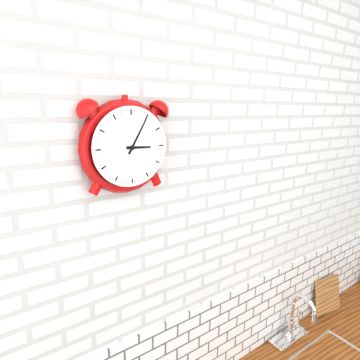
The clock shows 3 h 05 min
